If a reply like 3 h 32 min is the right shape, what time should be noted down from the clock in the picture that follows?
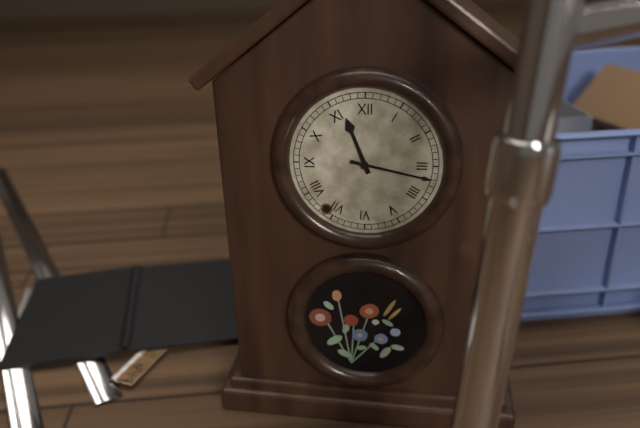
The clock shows 11 h 17 min
